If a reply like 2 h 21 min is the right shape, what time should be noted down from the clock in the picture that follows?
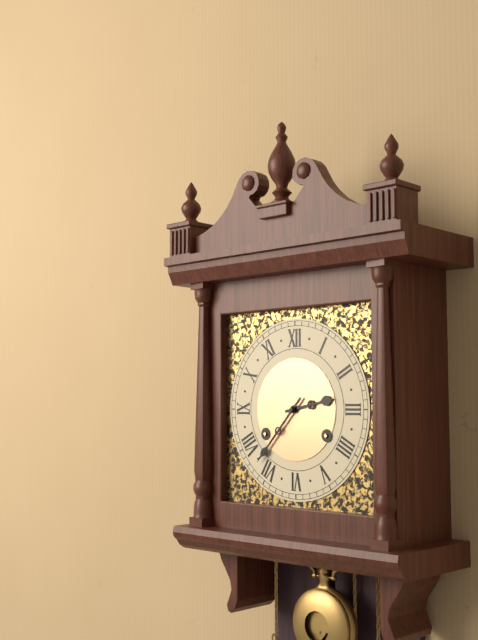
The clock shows 2 h 37 min
